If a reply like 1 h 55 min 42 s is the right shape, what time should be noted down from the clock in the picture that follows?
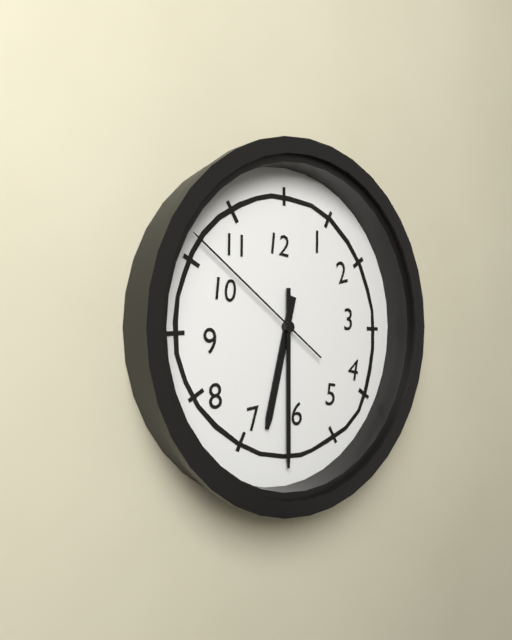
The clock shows 6 h 30 min 51 s
